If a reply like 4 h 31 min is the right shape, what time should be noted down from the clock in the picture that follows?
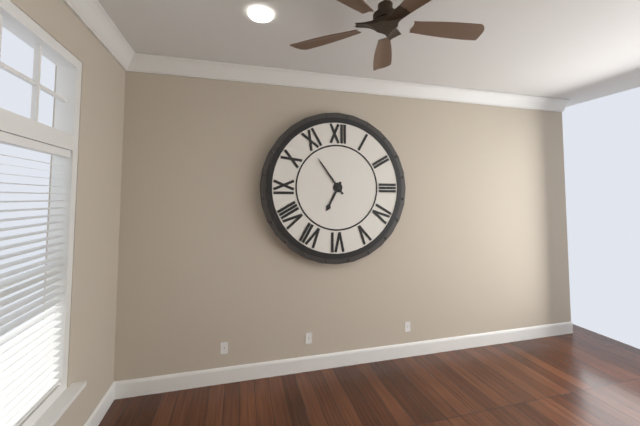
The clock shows 6 h 54 min
